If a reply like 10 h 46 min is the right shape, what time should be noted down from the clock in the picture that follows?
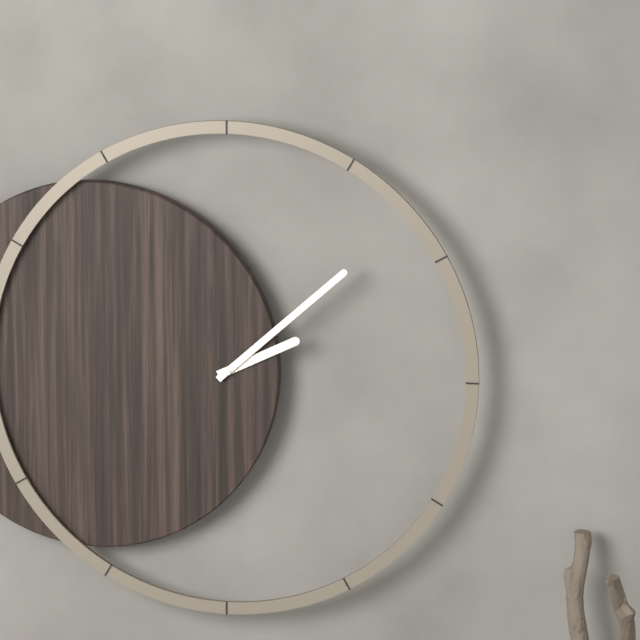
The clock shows 2 h 08 min
